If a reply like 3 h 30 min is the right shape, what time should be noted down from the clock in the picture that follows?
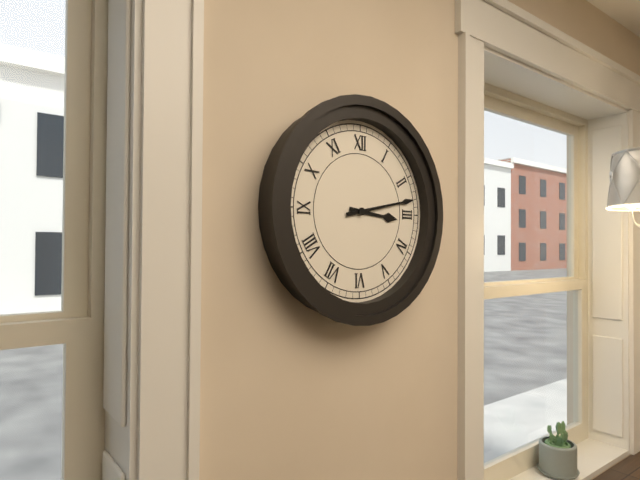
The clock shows 3 h 13 min
